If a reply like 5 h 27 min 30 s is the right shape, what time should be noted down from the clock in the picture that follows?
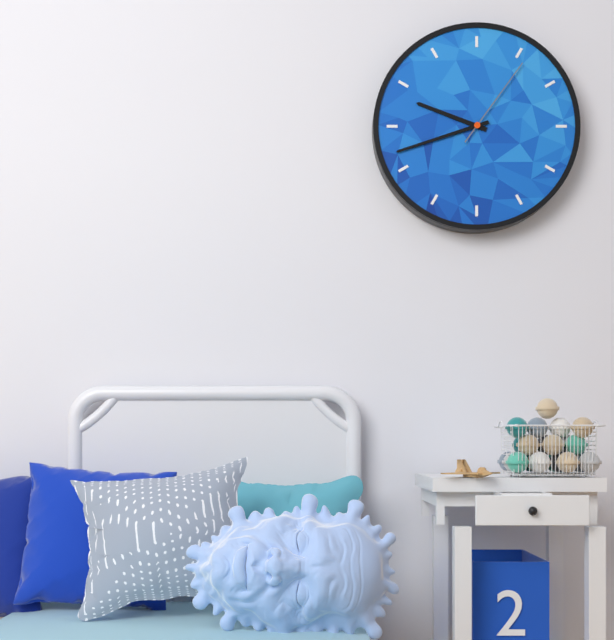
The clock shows 9 h 42 min 06 s
